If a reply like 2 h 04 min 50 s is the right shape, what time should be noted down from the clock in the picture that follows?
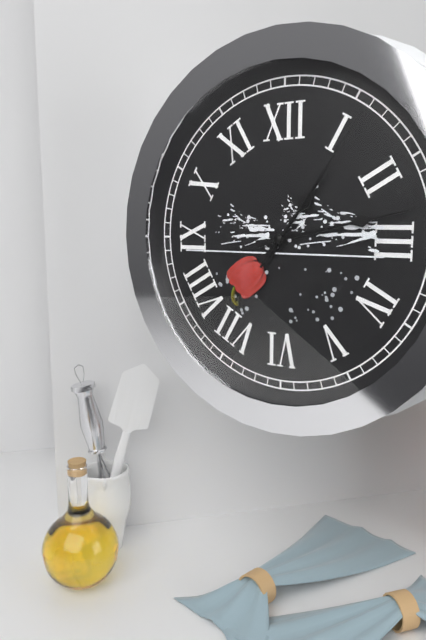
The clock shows 1 h 13 min 06 s
